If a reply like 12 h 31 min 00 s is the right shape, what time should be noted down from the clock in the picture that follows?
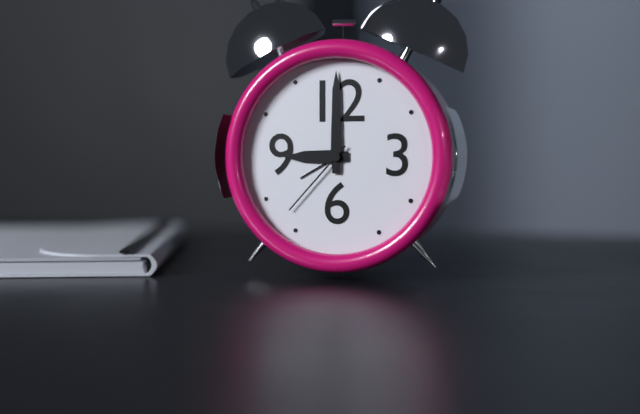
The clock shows 9 h 00 min 37 s
